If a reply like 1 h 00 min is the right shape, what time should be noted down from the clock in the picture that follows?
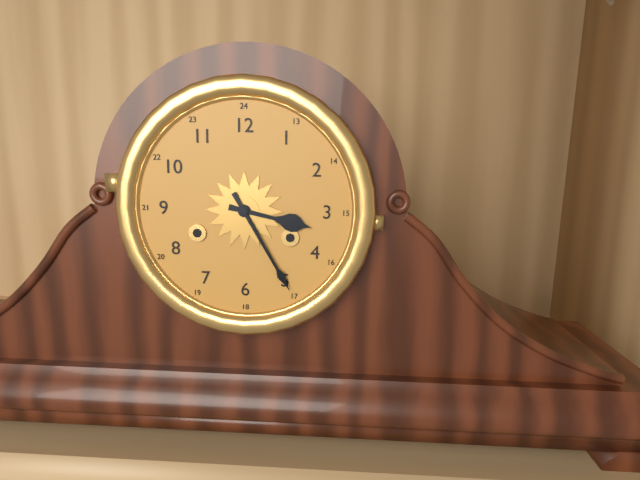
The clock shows 3 h 25 min
